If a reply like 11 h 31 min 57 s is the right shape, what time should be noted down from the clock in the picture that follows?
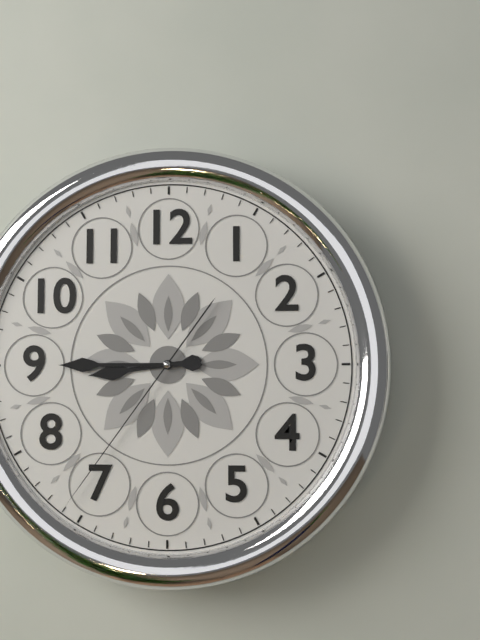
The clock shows 8 h 45 min 36 s
